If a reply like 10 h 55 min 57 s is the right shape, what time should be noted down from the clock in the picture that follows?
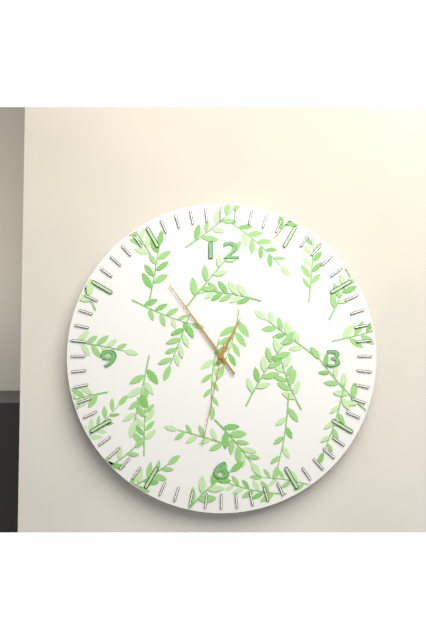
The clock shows 12 h 54 min 32 s
